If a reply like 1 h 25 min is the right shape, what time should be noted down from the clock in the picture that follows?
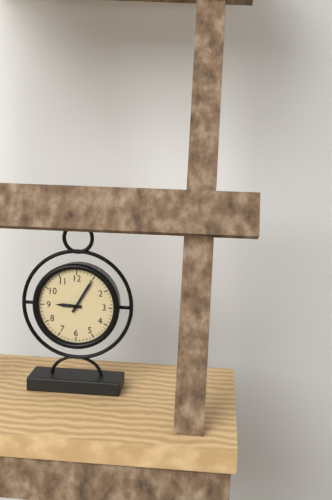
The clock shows 9 h 05 min
